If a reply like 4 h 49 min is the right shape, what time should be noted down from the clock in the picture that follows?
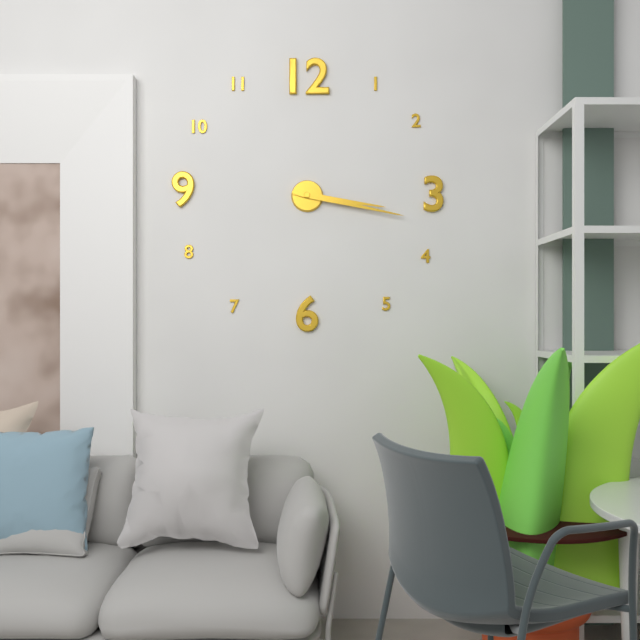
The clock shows 3 h 17 min
